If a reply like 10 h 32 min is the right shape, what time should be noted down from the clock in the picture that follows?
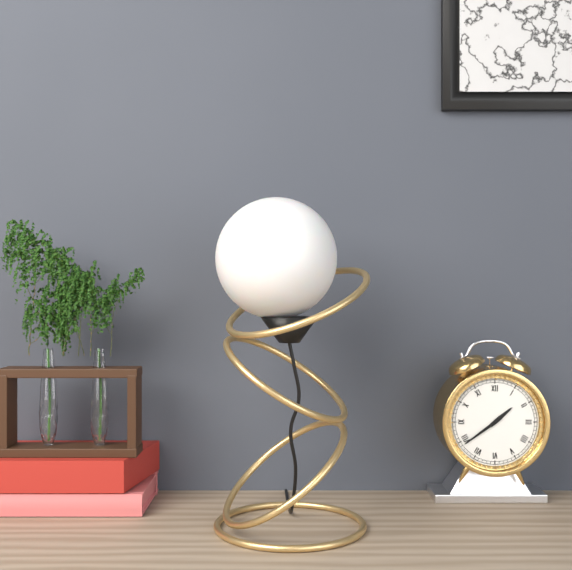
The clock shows 1 h 39 min
